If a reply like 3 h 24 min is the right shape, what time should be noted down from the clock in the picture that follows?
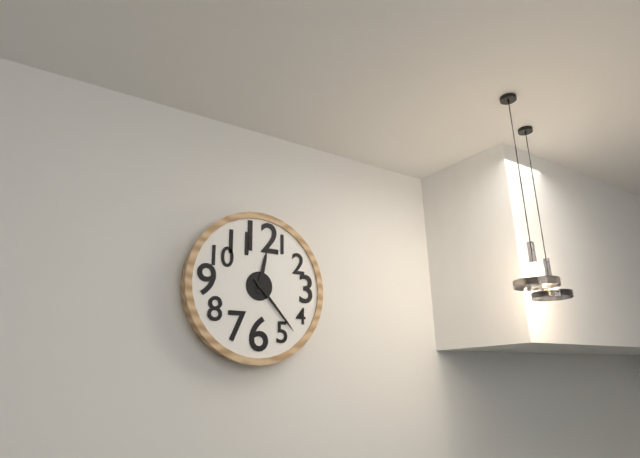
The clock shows 12 h 23 min
